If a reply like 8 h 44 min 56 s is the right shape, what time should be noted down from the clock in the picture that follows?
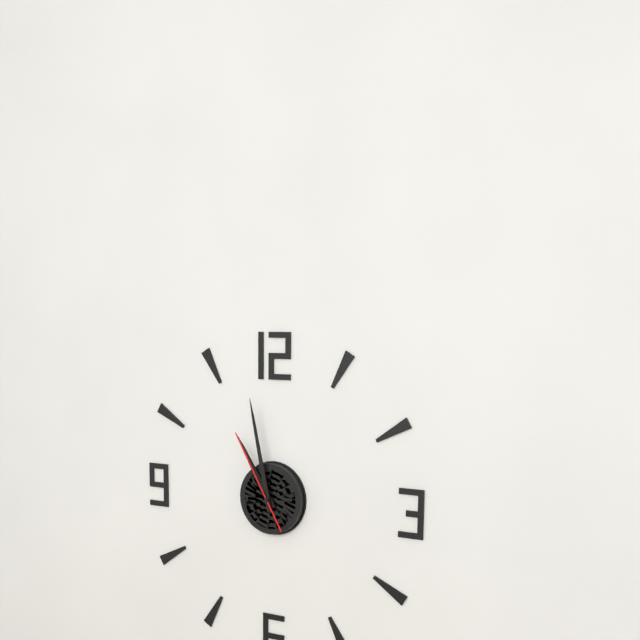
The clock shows 10 h 58 min 55 s
